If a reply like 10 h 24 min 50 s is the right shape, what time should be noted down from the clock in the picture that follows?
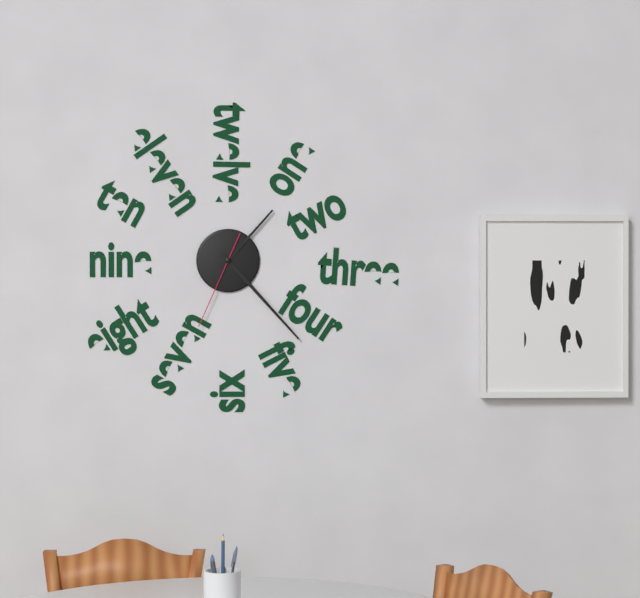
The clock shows 1 h 23 min 34 s
